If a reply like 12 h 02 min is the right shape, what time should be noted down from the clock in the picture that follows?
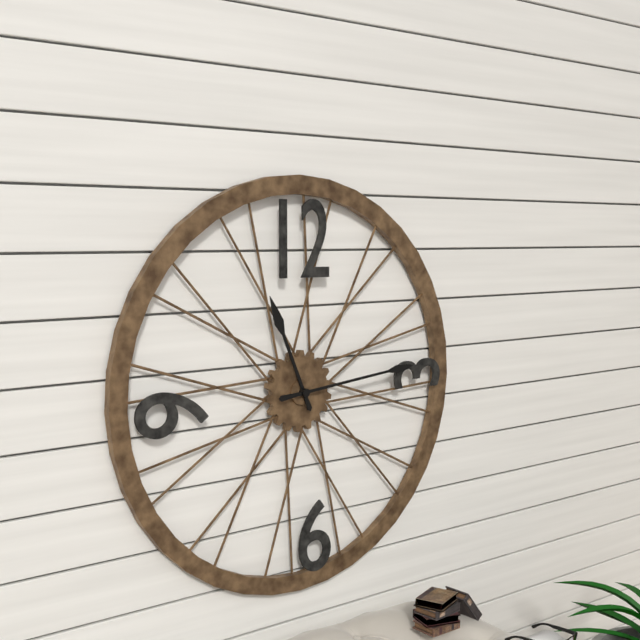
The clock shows 11 h 14 min
